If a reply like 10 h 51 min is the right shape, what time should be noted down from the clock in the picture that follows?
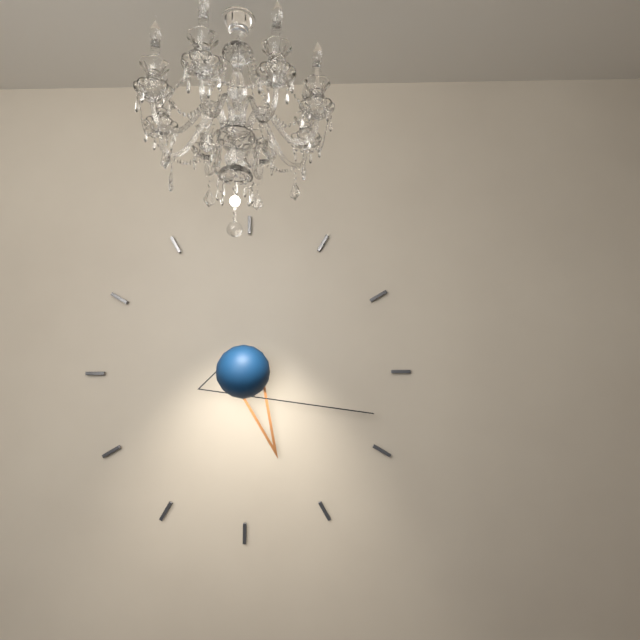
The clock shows 5 h 18 min
